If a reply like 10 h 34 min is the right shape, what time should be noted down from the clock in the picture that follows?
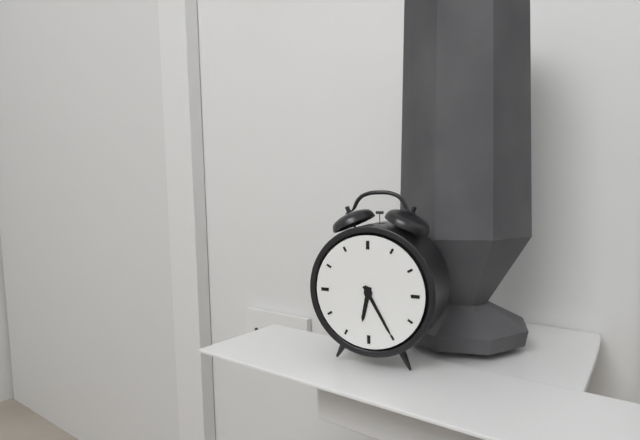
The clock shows 6 h 25 min
